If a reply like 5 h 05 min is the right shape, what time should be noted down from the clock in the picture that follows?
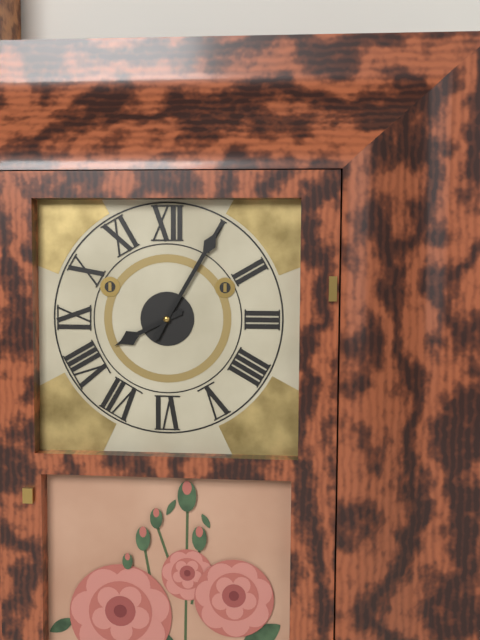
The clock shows 8 h 05 min
